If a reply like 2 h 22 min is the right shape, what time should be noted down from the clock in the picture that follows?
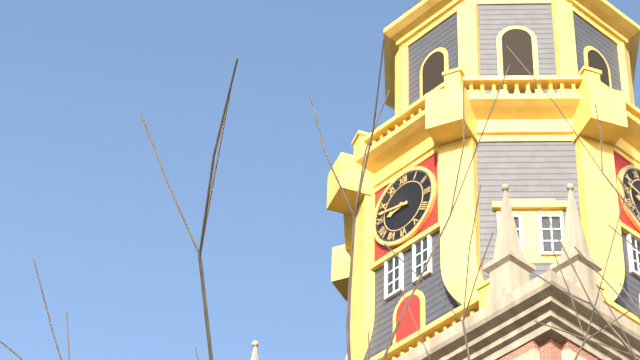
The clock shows 8 h 47 min
